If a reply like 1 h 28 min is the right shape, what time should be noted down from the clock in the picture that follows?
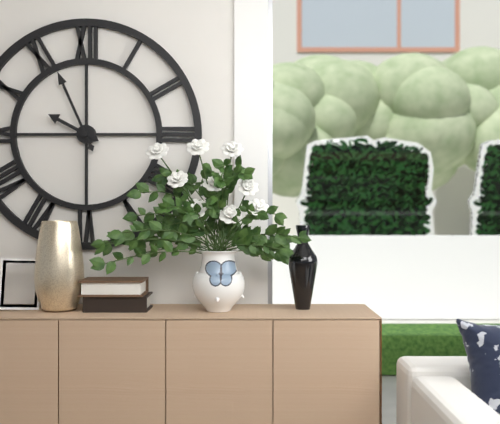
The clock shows 9 h 56 min
